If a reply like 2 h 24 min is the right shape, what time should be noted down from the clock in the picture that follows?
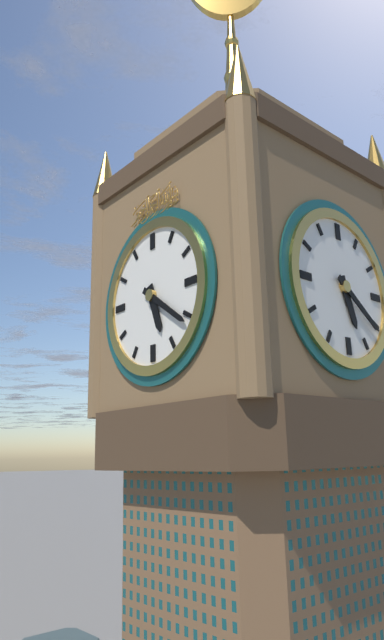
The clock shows 5 h 21 min
